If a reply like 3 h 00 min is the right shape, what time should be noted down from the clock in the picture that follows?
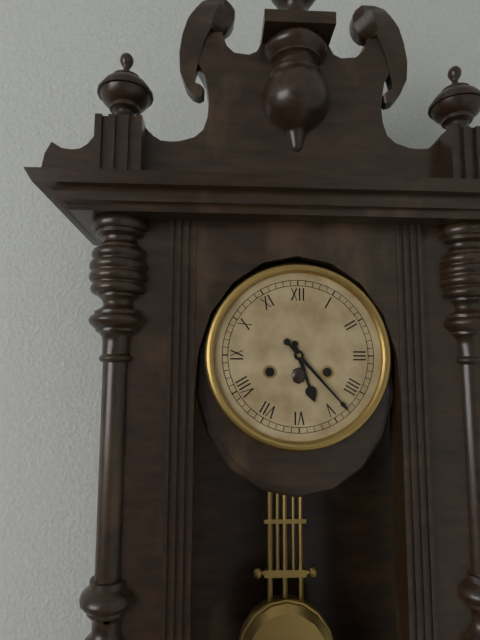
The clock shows 5 h 23 min
